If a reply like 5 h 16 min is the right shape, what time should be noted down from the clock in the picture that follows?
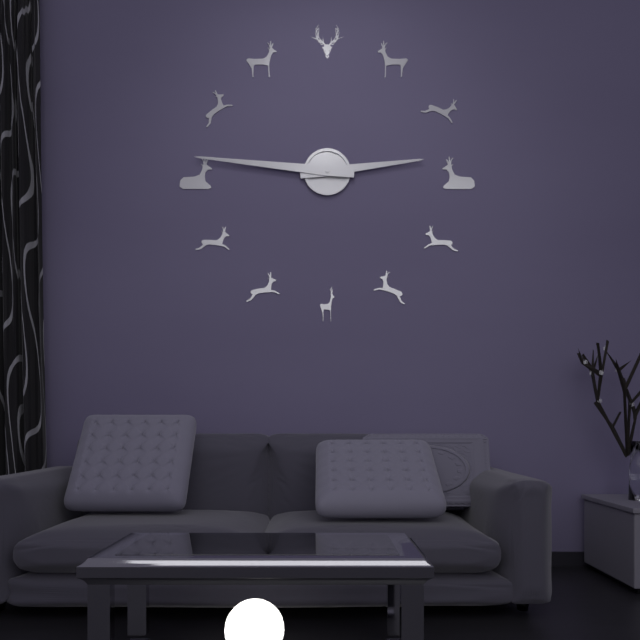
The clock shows 2 h 46 min
